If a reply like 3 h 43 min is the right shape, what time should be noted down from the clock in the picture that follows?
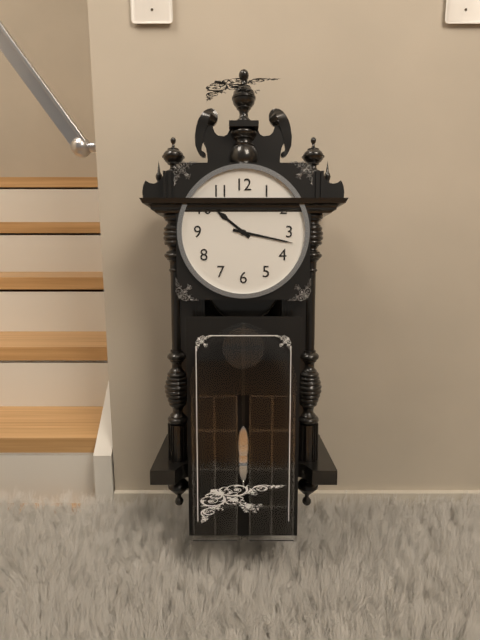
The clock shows 10 h 17 min
